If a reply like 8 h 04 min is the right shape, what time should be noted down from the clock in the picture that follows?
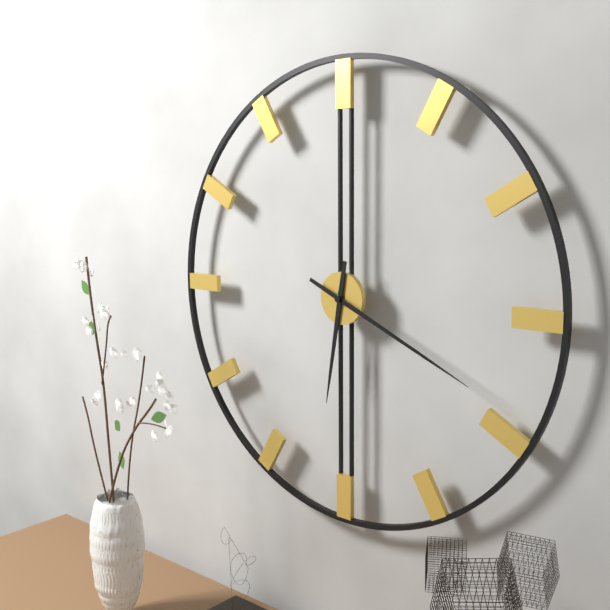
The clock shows 6 h 19 min
